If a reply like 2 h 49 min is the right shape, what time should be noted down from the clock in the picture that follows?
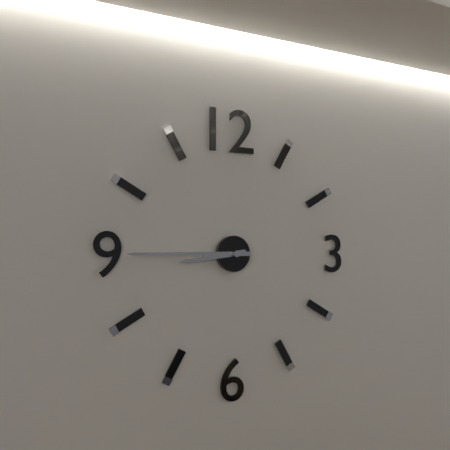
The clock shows 8 h 45 min
